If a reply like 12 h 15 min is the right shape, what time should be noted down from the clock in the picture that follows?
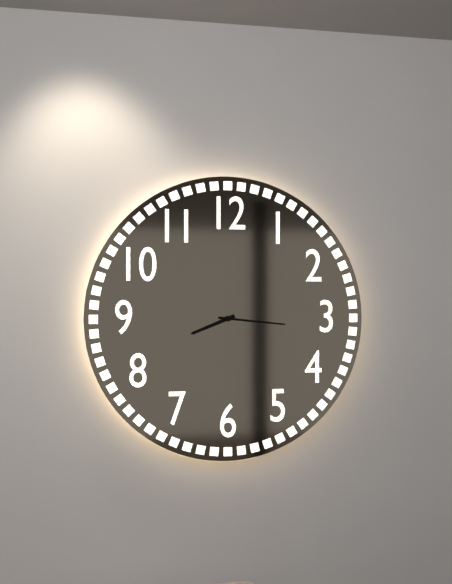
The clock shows 8 h 16 min
